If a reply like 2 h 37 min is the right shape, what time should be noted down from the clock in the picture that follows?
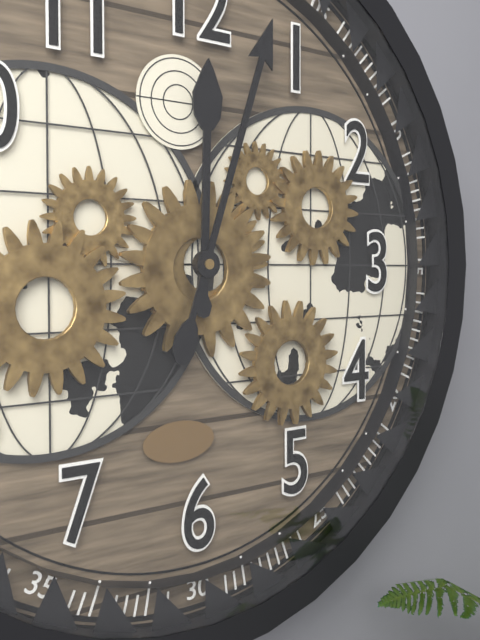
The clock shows 12 h 03 min
